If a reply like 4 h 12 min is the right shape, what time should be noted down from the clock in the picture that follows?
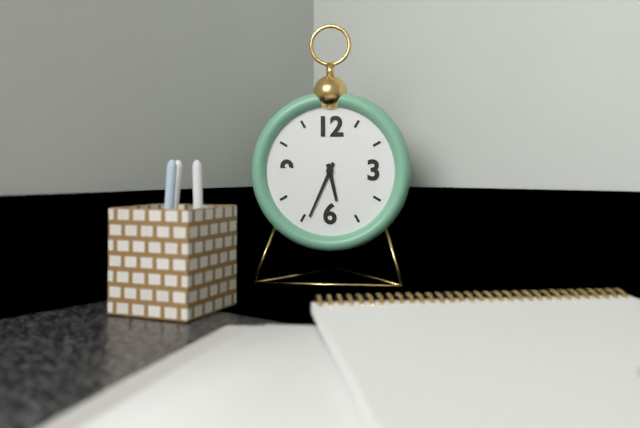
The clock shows 5 h 34 min
